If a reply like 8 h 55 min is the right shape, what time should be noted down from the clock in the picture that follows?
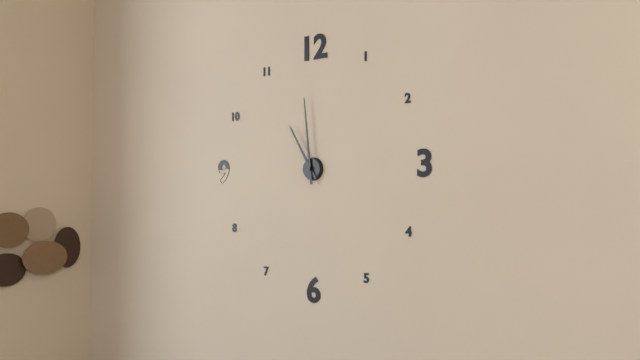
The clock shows 10 h 59 min
